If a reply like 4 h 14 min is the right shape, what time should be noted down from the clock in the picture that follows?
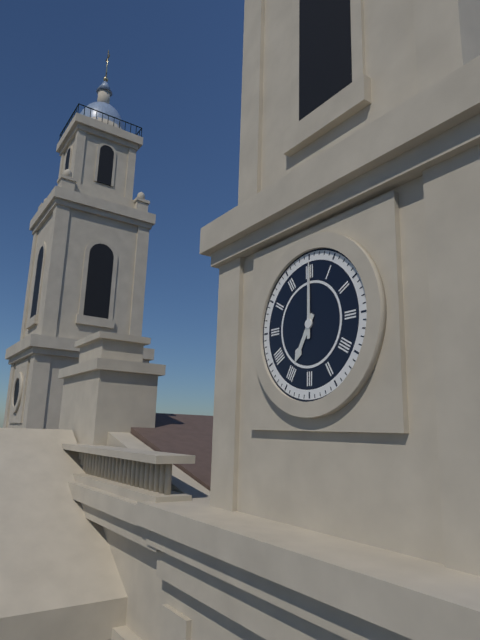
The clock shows 7 h 00 min
